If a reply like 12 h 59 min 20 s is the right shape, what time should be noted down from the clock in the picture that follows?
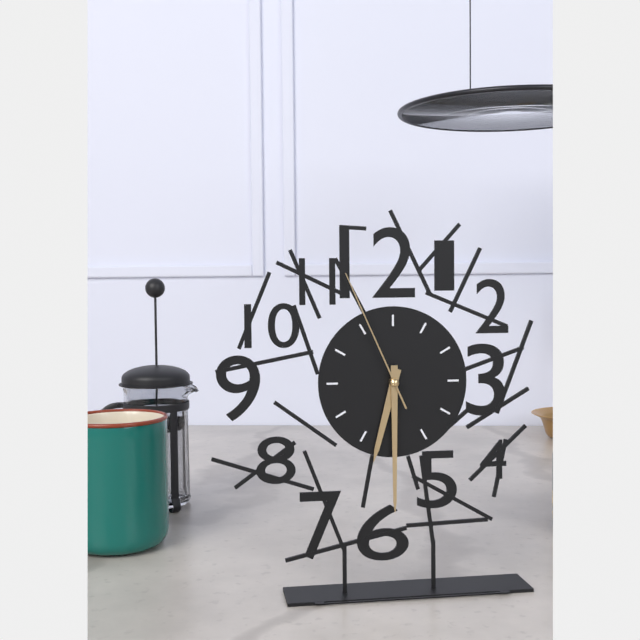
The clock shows 6 h 30 min 56 s
